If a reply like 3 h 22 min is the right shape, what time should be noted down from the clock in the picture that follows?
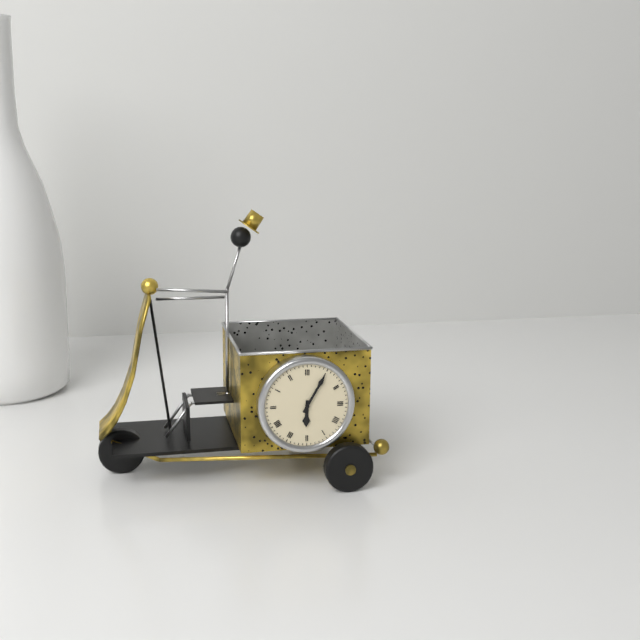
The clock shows 6 h 05 min
